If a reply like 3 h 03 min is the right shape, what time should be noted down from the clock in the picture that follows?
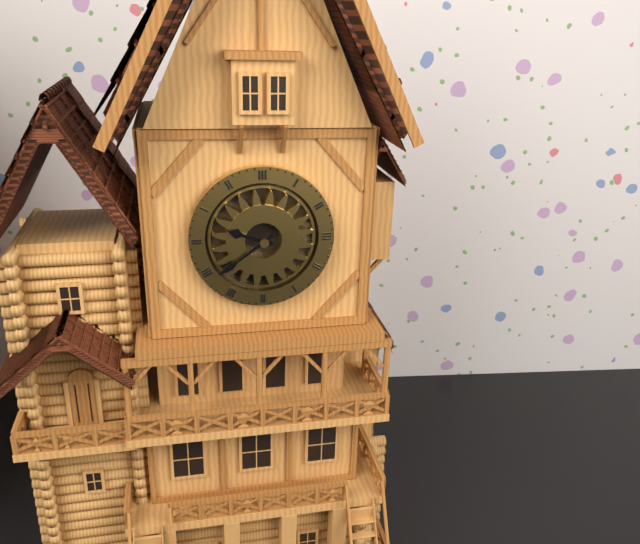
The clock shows 9 h 39 min
